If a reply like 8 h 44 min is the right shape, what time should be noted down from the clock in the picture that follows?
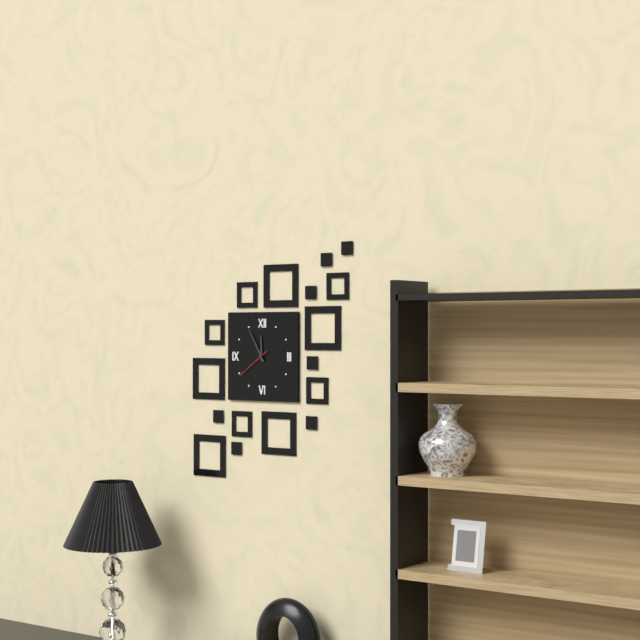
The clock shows 11 h 55 min
